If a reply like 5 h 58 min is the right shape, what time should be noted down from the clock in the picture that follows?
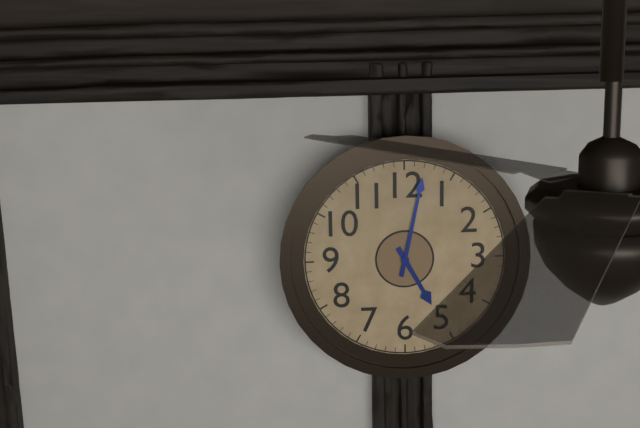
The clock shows 5 h 02 min
